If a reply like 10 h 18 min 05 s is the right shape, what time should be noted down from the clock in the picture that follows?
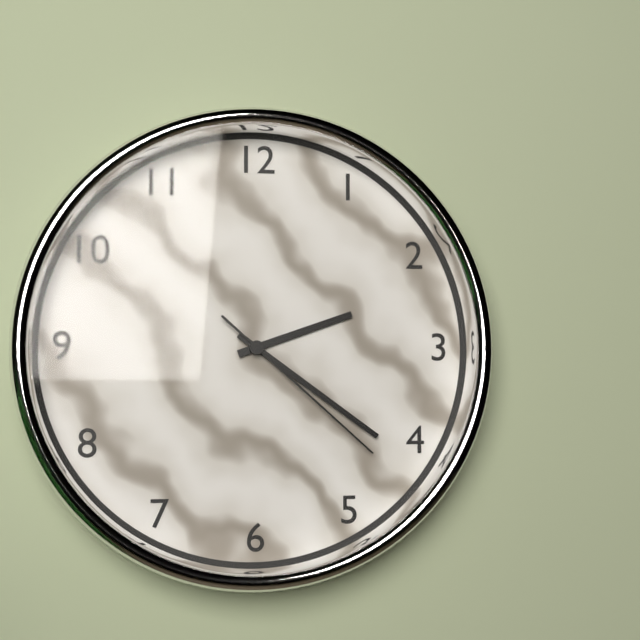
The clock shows 2 h 21 min 22 s
